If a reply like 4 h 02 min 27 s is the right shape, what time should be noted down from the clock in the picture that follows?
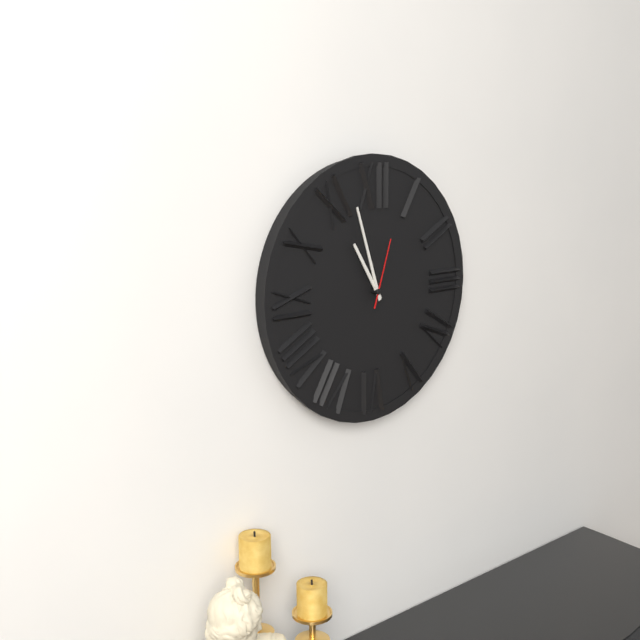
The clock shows 10 h 57 min 03 s
